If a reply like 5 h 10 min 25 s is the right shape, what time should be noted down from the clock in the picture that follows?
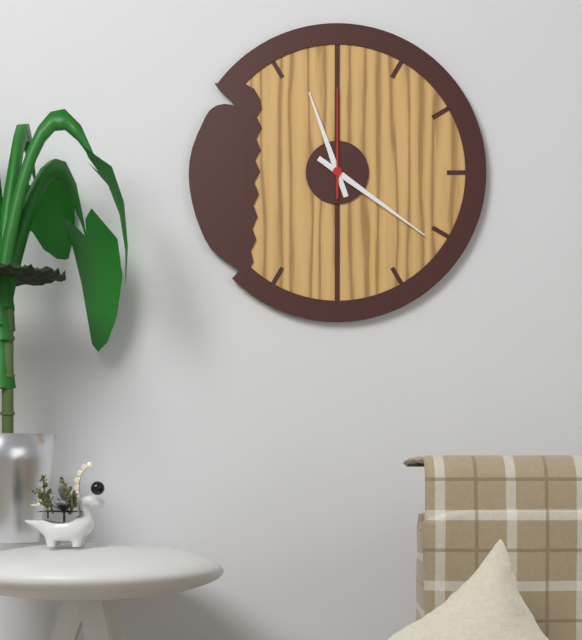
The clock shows 11 h 21 min 00 s
